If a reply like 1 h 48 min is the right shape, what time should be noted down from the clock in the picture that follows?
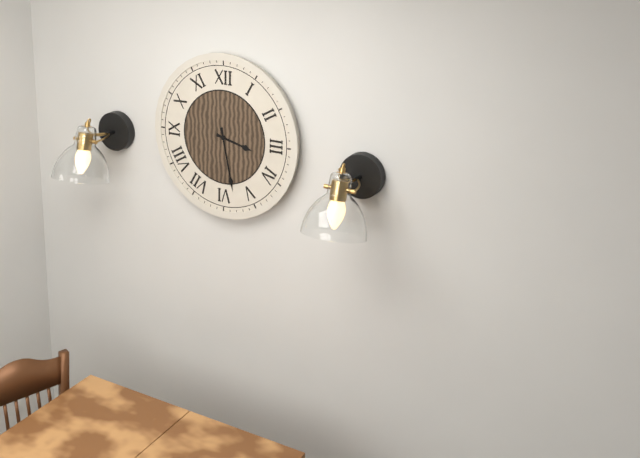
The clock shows 3 h 28 min
